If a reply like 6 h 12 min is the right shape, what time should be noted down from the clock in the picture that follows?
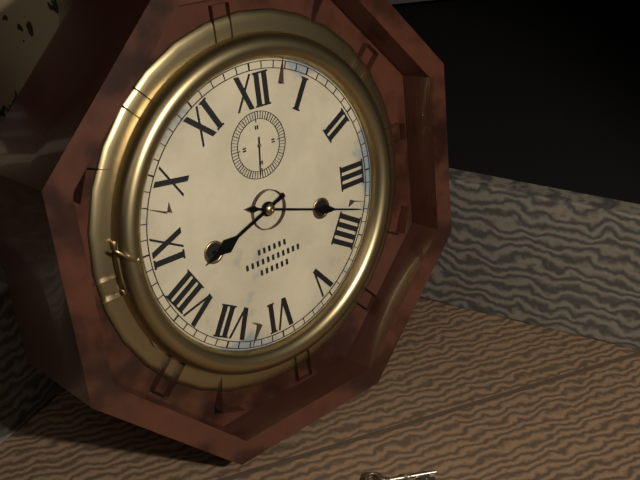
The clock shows 8 h 18 min
